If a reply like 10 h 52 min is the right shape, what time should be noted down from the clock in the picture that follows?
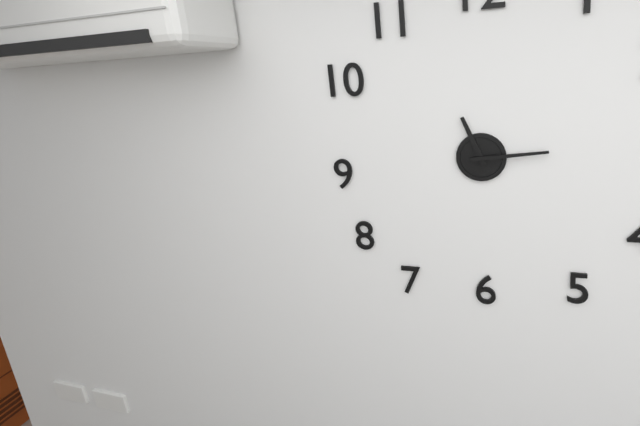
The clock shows 11 h 14 min
